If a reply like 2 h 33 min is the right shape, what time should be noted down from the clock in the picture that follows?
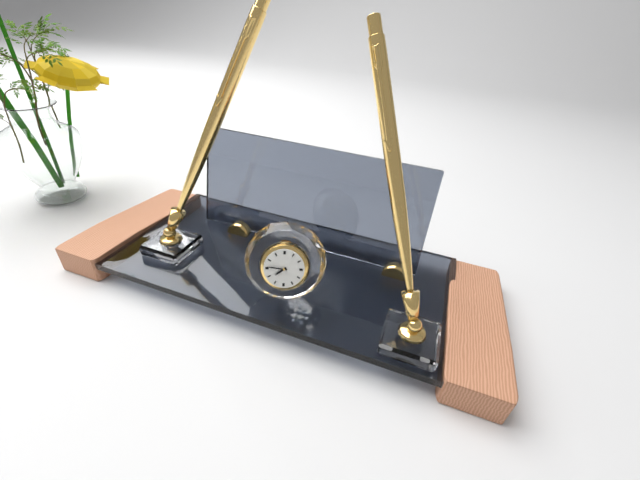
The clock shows 7 h 46 min
